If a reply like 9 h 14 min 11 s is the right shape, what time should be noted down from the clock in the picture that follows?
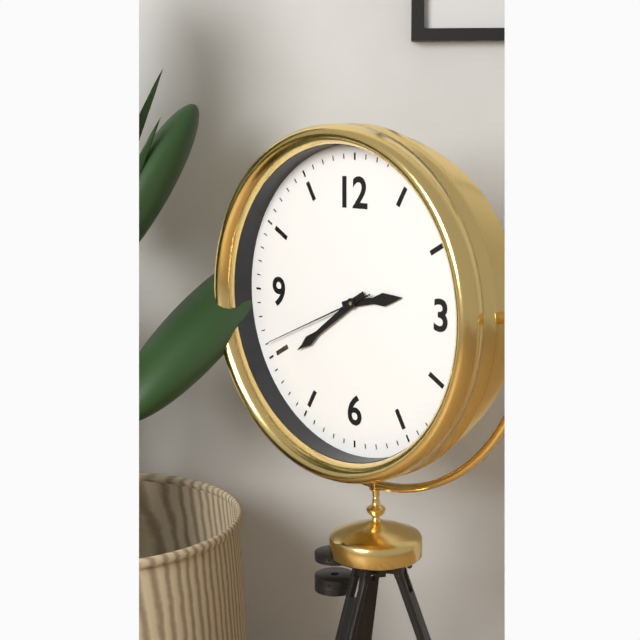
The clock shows 2 h 39 min 41 s
